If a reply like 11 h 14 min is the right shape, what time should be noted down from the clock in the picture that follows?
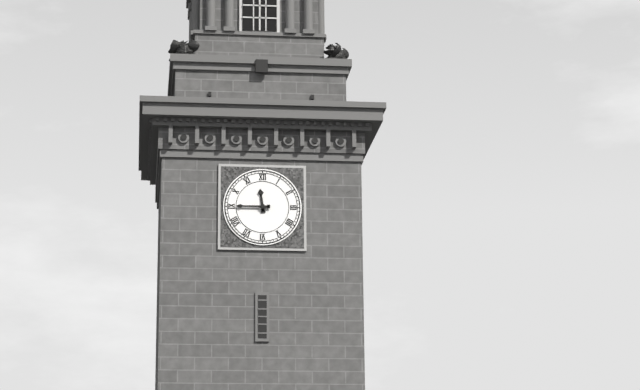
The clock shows 11 h 45 min
